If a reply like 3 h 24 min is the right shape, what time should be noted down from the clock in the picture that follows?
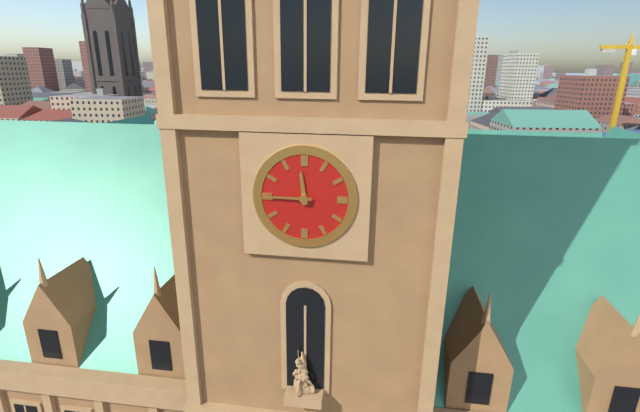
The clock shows 11 h 45 min
